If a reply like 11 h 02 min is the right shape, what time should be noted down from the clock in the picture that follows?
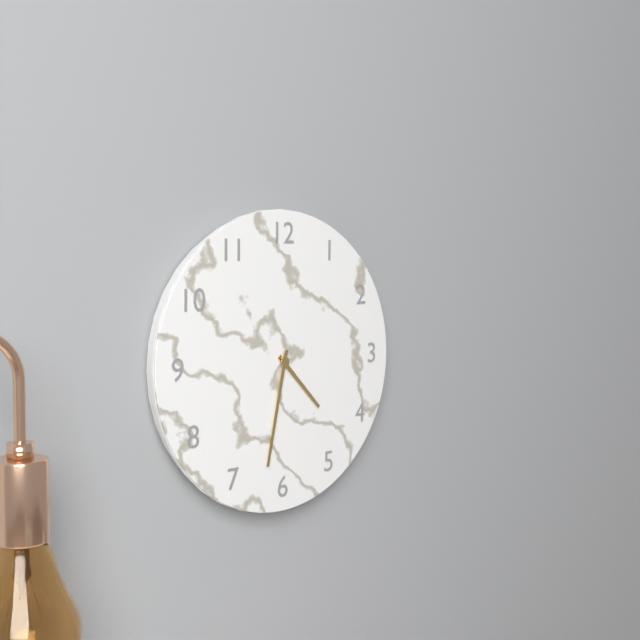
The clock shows 4 h 32 min
